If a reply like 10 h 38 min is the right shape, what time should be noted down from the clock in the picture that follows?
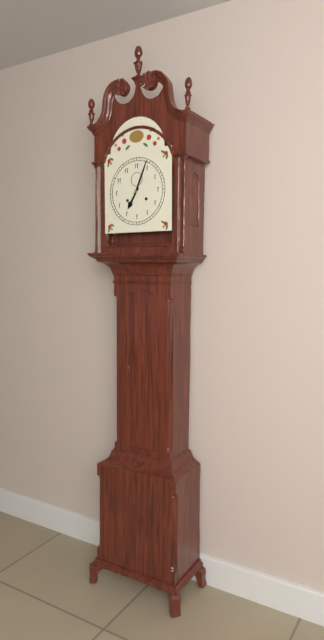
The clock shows 7 h 04 min
